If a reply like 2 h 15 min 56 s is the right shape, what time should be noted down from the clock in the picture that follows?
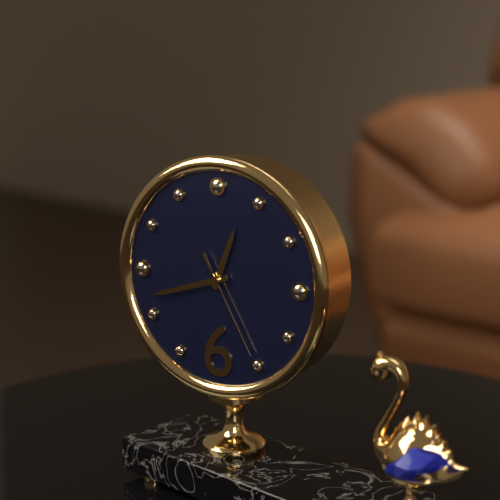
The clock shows 12 h 42 min 25 s
